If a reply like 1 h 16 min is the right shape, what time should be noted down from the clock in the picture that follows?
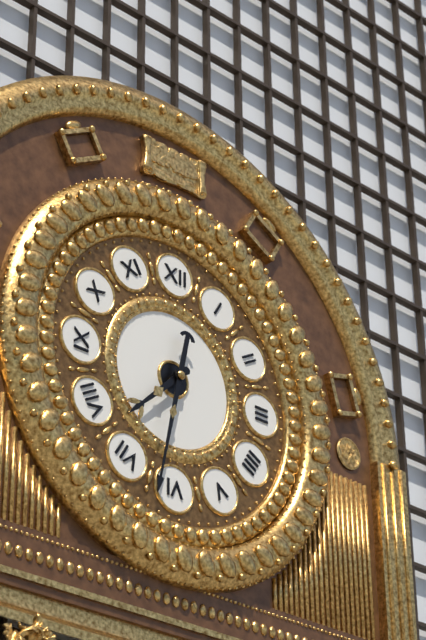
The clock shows 7 h 32 min
